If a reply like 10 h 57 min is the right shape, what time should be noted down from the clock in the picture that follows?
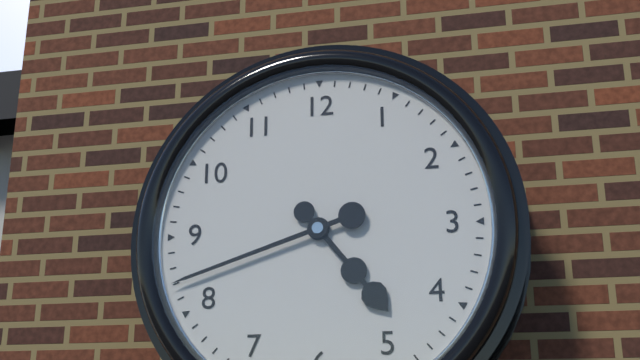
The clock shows 4 h 42 min
